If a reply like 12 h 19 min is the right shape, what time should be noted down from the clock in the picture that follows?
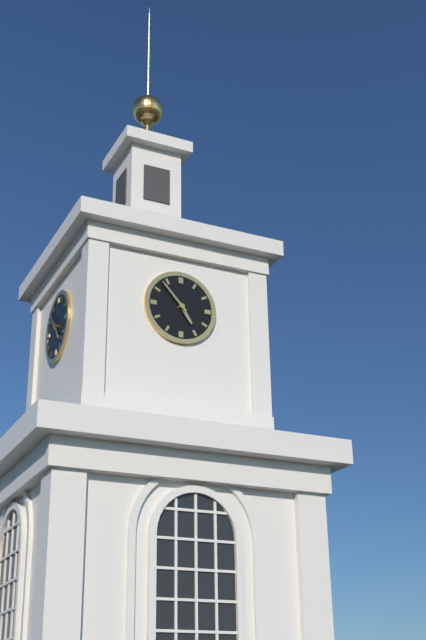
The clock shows 4 h 53 min
